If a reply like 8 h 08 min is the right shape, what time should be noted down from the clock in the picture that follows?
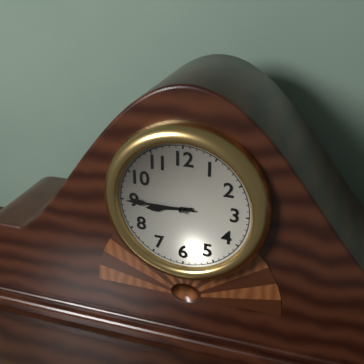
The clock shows 8 h 45 min
